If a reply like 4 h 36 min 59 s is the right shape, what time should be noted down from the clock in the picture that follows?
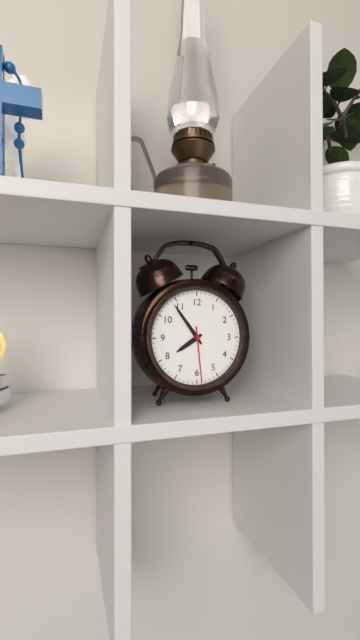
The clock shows 7 h 54 min 29 s
